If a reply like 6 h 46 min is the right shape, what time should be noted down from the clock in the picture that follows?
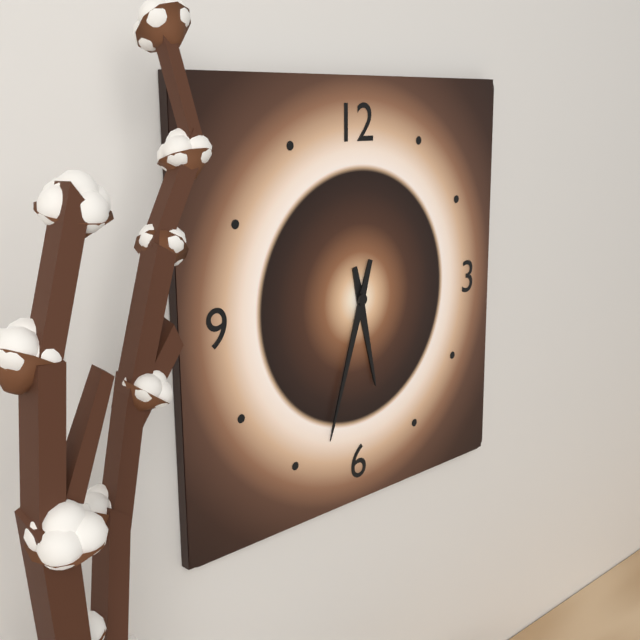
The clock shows 5 h 33 min
